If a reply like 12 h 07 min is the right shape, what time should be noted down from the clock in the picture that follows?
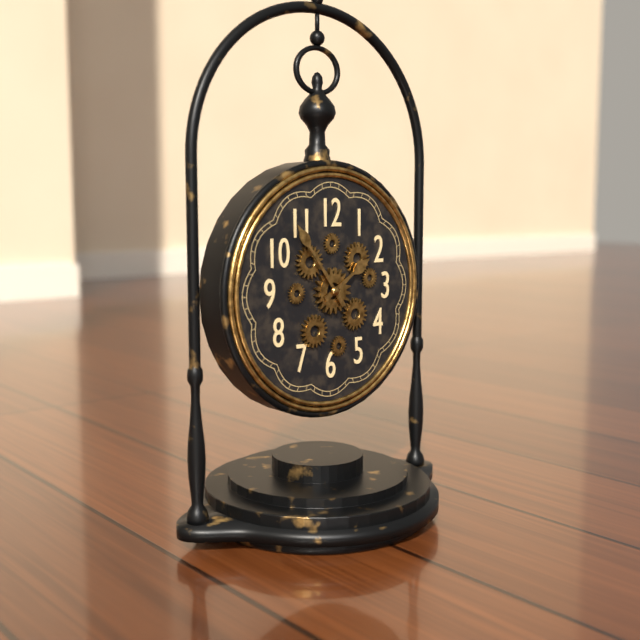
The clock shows 1 h 54 min
